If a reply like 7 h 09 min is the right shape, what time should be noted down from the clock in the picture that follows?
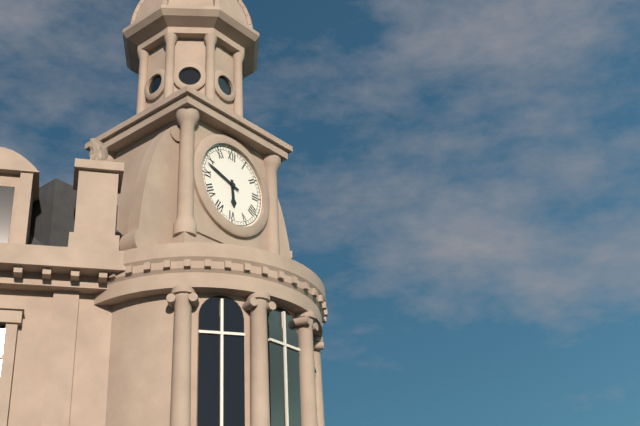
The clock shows 5 h 48 min
